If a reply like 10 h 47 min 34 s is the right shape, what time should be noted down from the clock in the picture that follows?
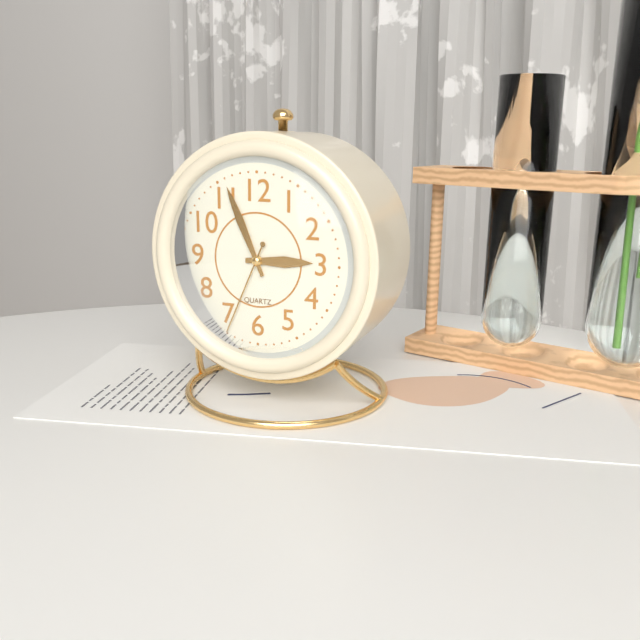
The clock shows 2 h 56 min 34 s
